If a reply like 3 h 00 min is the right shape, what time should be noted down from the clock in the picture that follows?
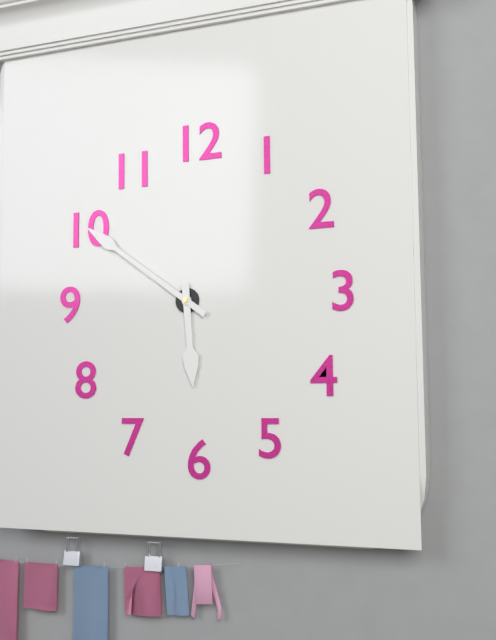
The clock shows 5 h 51 min
